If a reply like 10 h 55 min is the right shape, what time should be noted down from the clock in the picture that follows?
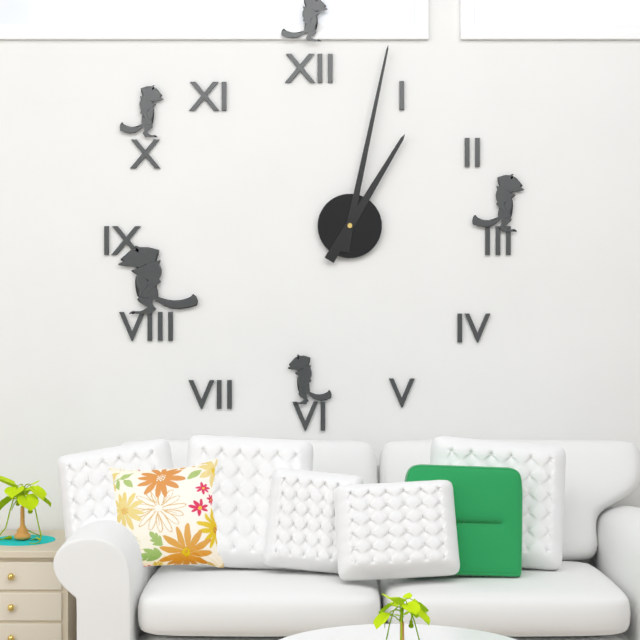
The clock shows 1 h 02 min
